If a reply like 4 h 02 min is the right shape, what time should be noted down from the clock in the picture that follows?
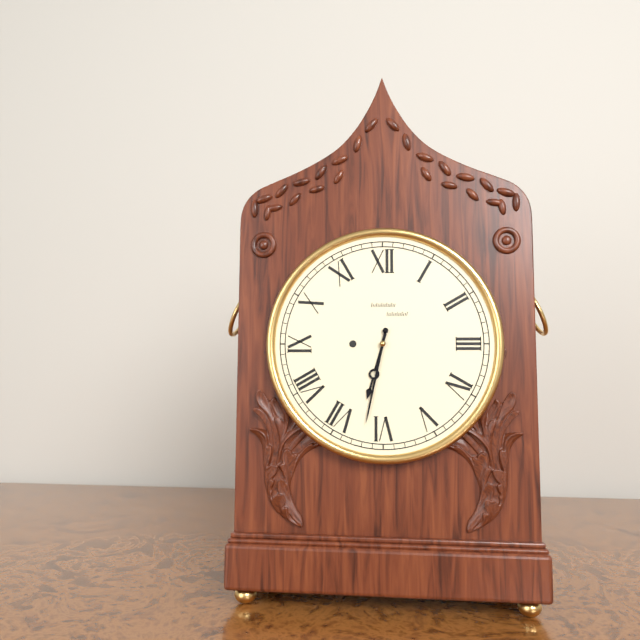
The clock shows 6 h 32 min
